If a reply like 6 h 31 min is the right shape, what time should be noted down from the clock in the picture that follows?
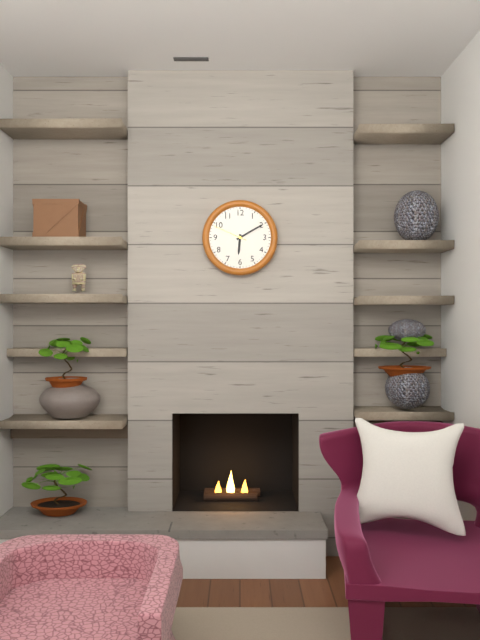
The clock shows 6 h 10 min
